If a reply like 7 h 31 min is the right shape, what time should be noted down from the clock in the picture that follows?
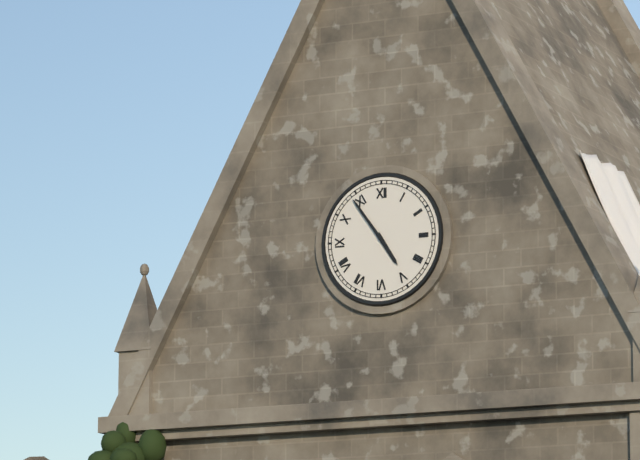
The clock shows 4 h 54 min
